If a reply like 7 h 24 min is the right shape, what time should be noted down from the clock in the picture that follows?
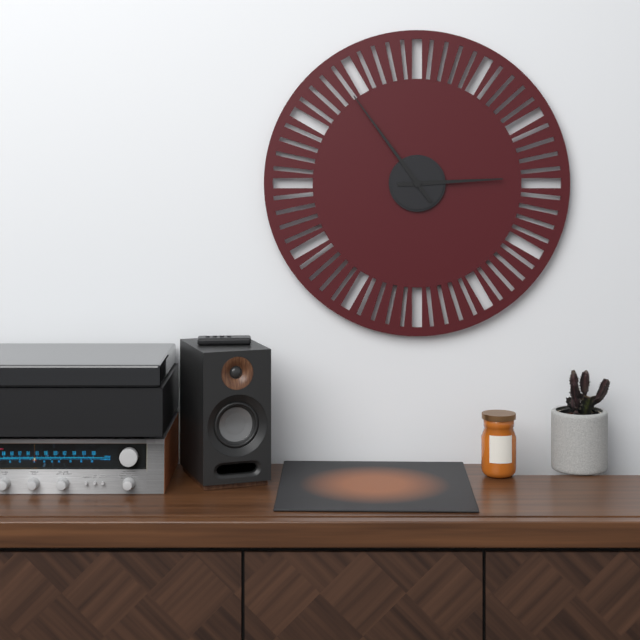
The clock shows 2 h 54 min
